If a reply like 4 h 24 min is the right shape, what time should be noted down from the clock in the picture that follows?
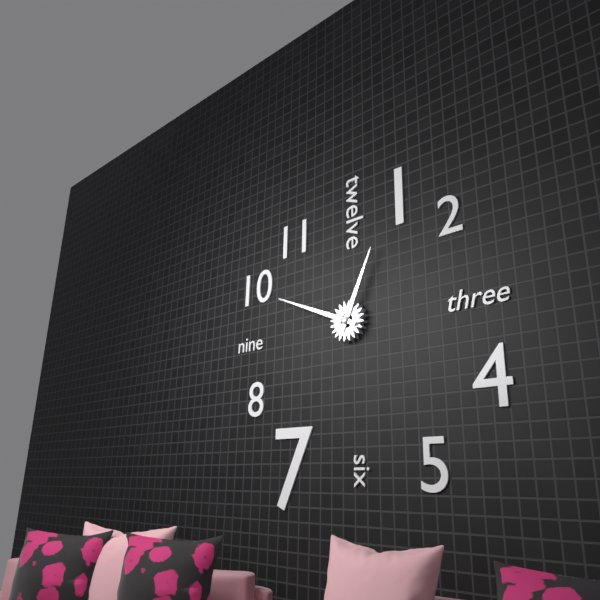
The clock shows 12 h 49 min
